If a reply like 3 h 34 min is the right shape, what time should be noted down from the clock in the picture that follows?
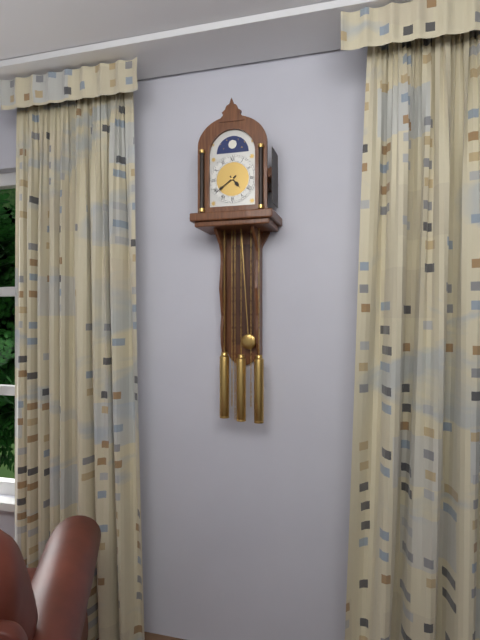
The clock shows 4 h 39 min
